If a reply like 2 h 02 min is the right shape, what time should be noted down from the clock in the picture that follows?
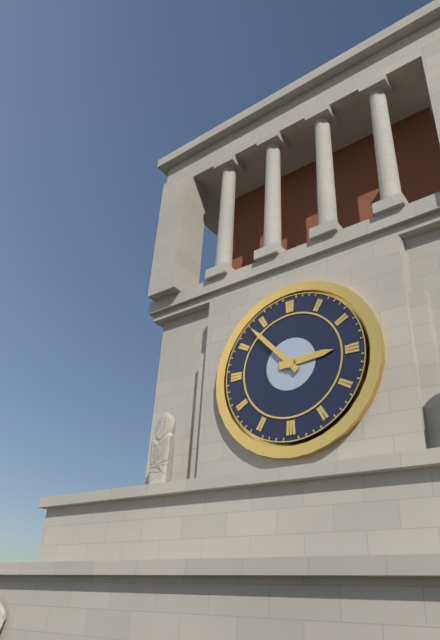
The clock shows 2 h 53 min
